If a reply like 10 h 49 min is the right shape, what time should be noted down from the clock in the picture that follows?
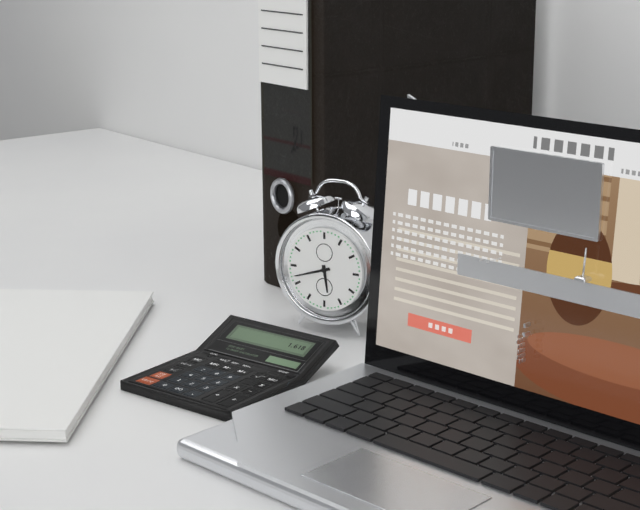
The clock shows 5 h 42 min
